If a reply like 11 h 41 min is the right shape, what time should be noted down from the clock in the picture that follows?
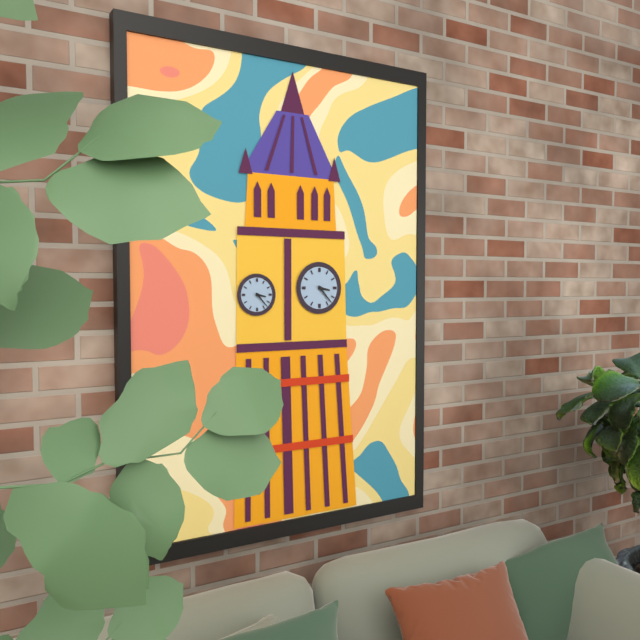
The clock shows 3 h 23 min
